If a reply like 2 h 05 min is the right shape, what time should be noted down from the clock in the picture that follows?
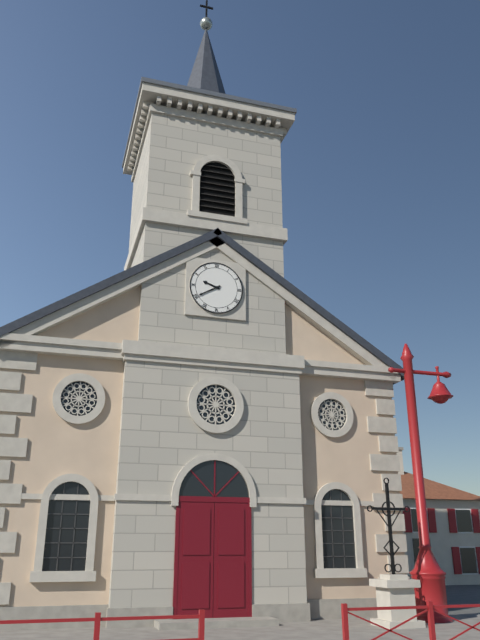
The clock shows 9 h 40 min
